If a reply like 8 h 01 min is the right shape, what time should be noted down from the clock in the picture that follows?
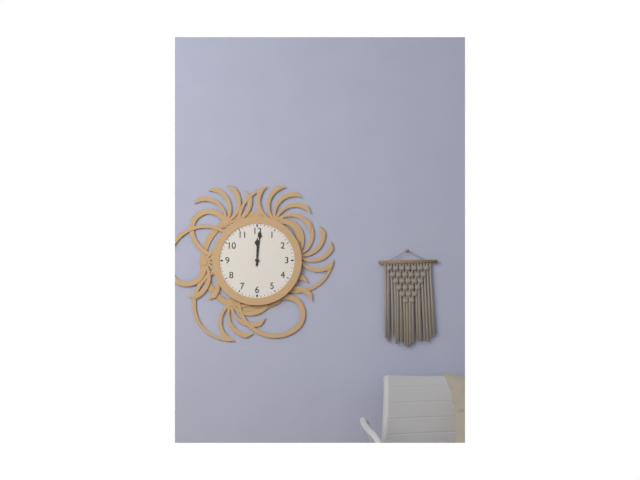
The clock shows 12 h 01 min
